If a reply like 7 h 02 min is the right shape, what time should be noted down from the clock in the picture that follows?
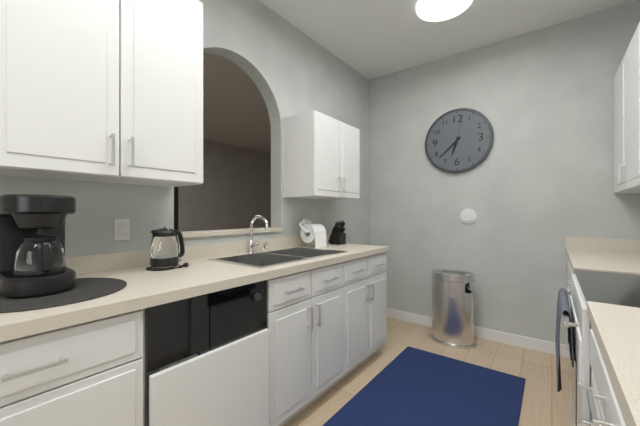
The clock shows 6 h 38 min
